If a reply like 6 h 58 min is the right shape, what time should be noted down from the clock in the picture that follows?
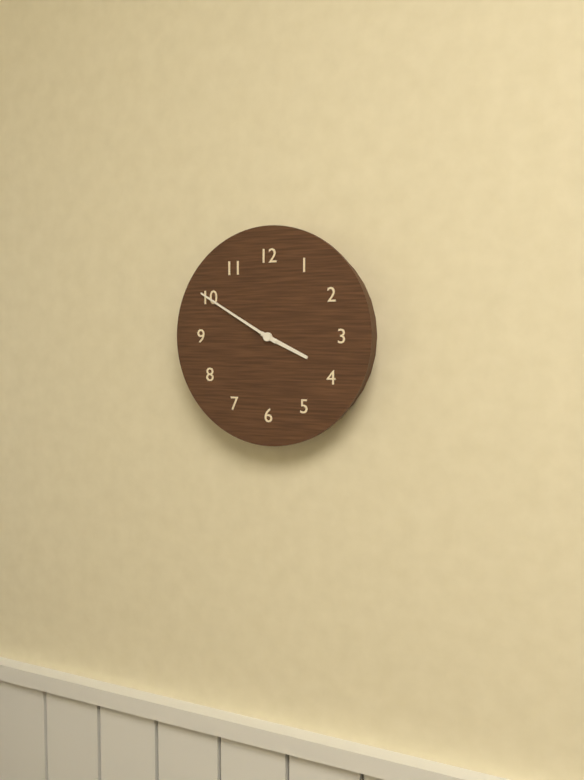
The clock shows 3 h 50 min
